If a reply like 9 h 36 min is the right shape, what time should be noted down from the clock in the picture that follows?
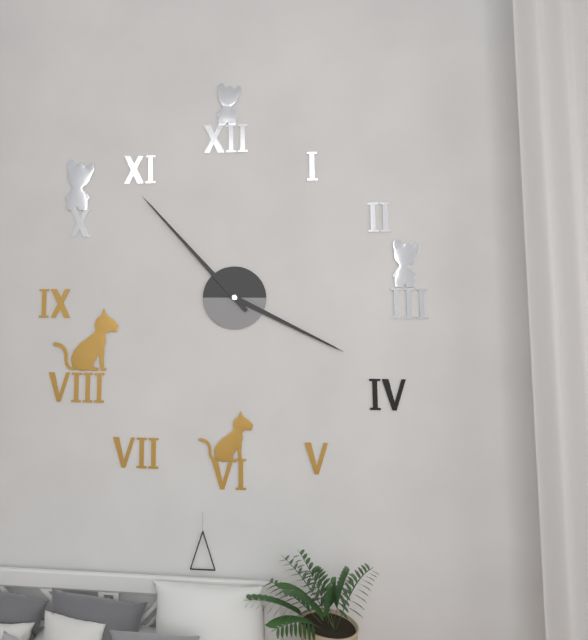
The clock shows 3 h 53 min
